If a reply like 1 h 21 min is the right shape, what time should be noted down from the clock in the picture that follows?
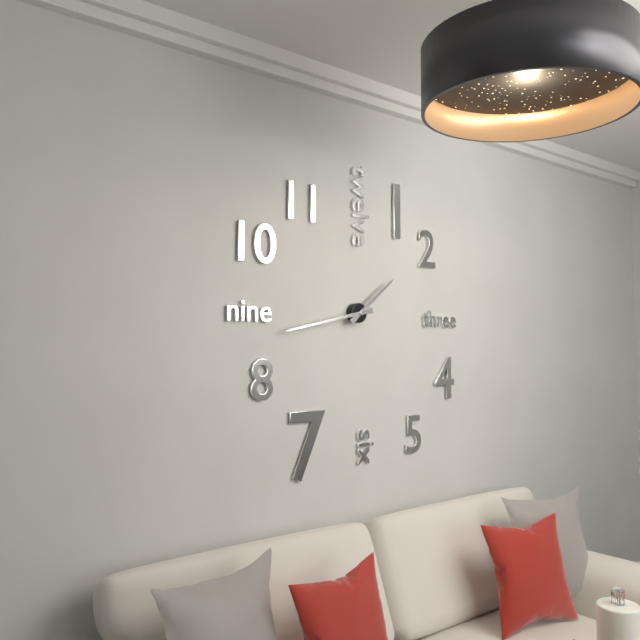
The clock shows 1 h 43 min
